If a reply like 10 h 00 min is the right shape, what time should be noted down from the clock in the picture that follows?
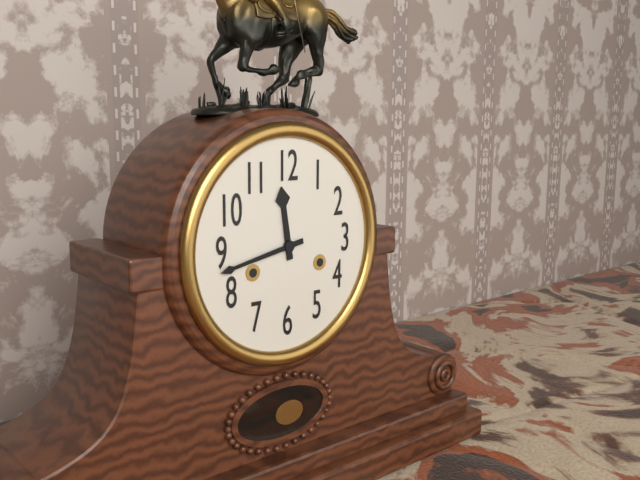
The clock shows 11 h 43 min
